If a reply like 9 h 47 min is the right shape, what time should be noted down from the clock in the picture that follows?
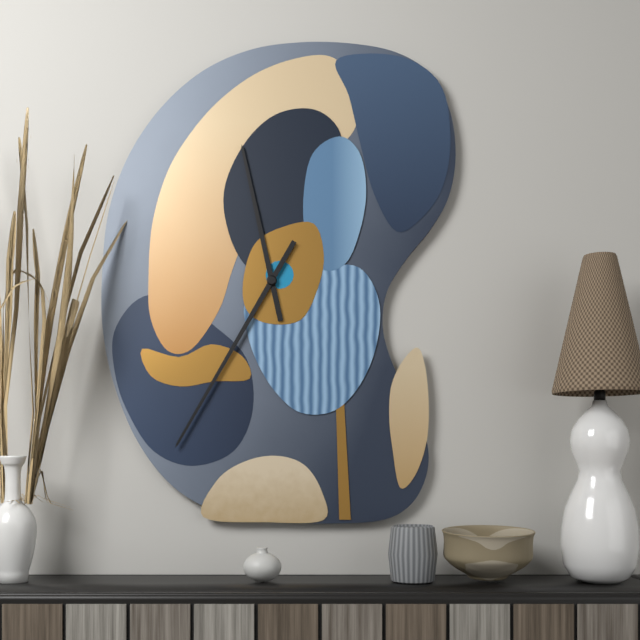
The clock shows 11 h 35 min
